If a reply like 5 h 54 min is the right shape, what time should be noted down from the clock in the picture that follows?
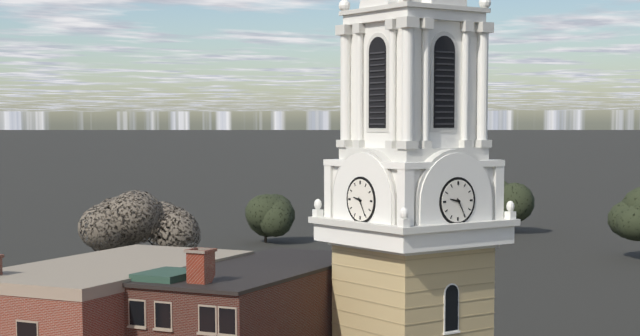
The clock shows 9 h 25 min
